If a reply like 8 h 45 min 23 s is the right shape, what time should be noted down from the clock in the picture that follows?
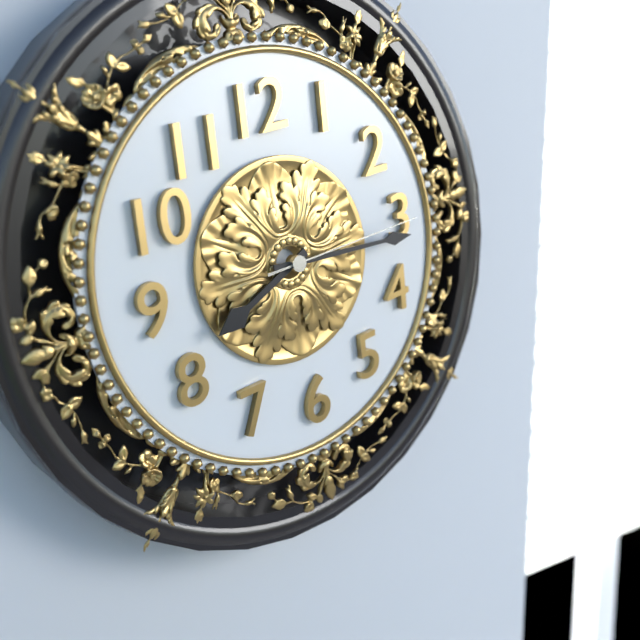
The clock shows 8 h 16 min 15 s
